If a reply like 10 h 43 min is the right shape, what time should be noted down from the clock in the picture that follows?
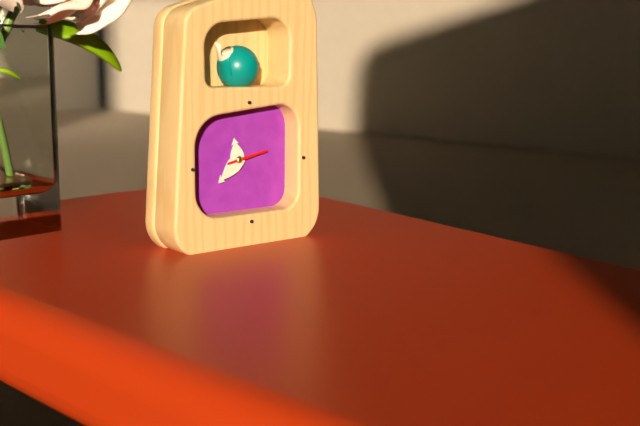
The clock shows 11 h 38 min
